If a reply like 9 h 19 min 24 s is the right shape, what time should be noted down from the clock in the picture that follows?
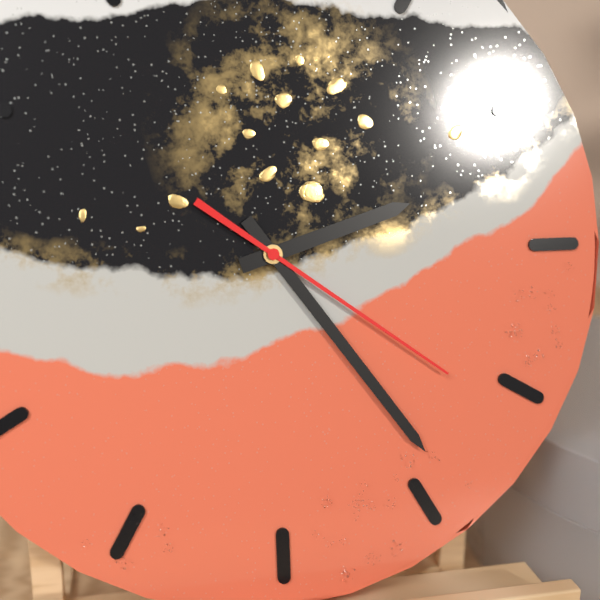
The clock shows 2 h 24 min 21 s
